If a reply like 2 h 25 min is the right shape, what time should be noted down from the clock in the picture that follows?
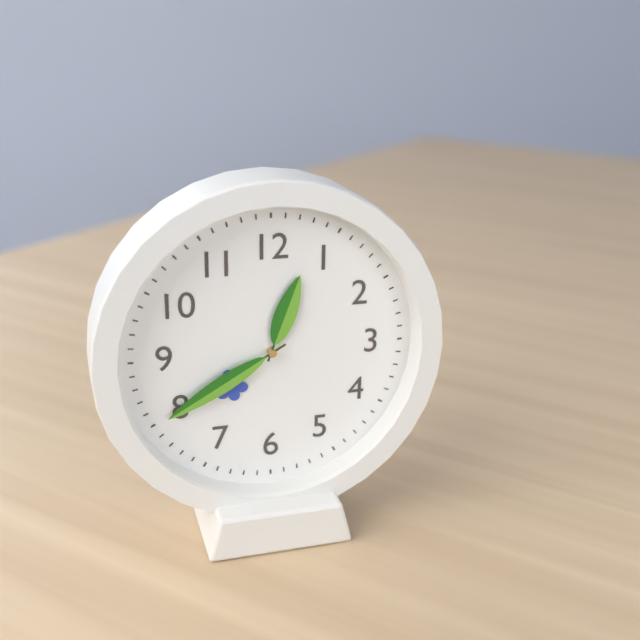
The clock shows 12 h 40 min
